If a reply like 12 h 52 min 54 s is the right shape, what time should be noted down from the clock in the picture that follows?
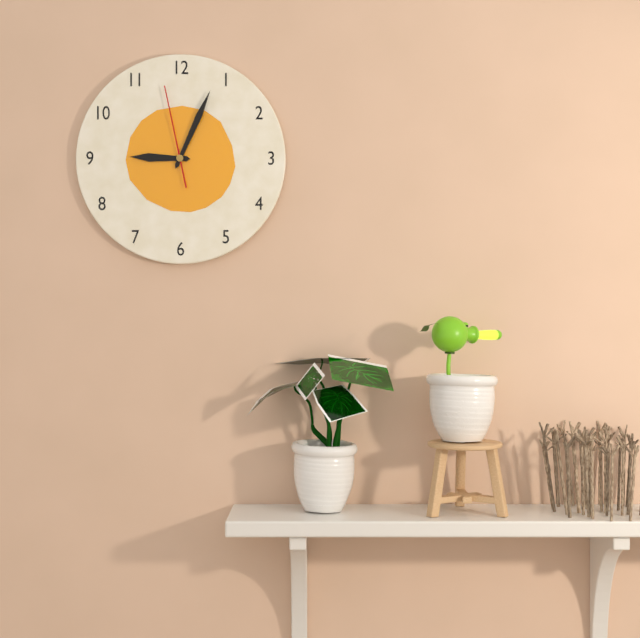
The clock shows 9 h 04 min 58 s
